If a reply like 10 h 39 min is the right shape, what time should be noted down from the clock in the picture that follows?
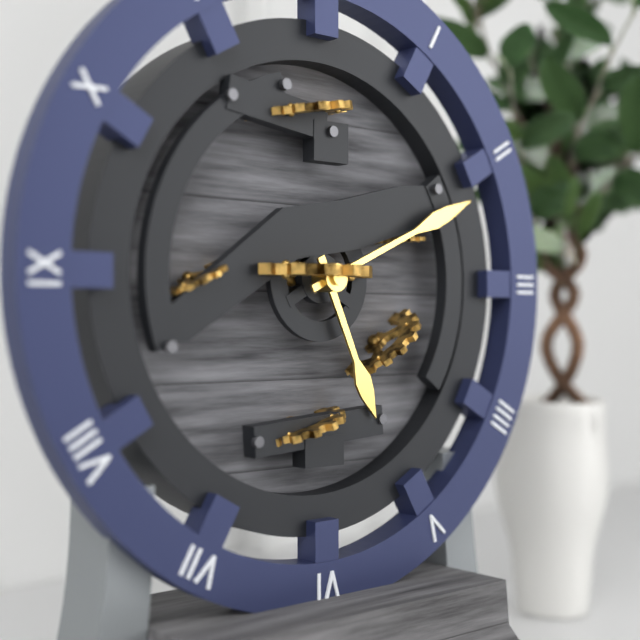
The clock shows 5 h 11 min
